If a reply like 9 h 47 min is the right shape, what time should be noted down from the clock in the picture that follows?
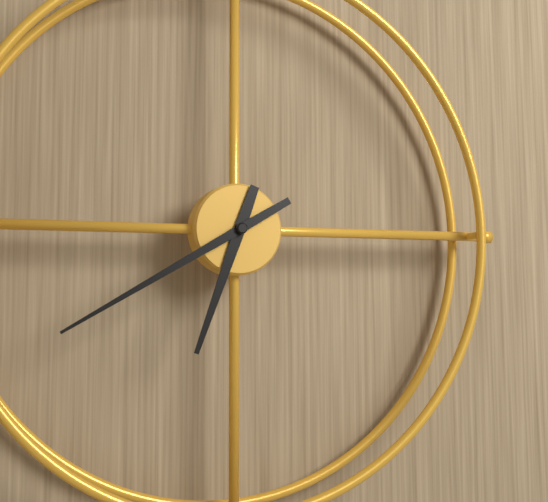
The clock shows 6 h 40 min
